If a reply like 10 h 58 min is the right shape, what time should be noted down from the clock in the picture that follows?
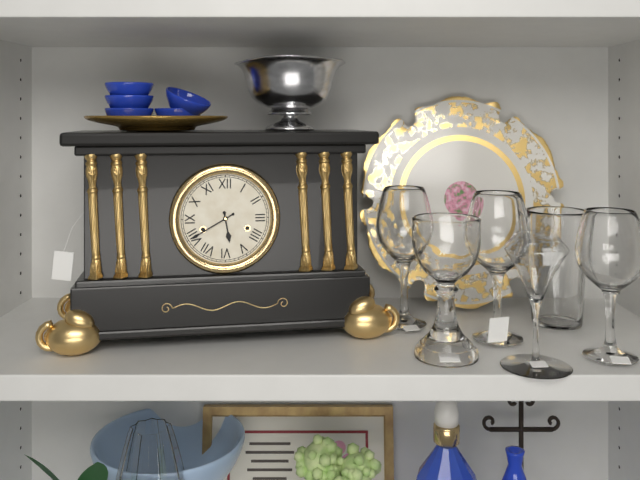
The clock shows 5 h 40 min
